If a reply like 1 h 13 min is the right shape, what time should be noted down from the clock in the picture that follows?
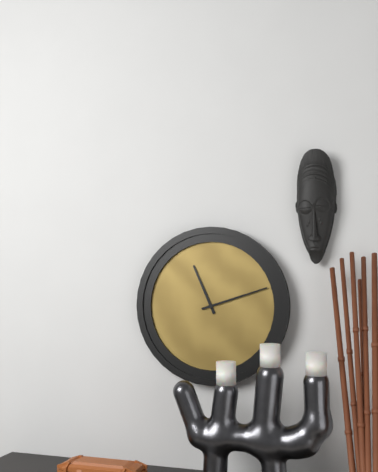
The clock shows 11 h 12 min
